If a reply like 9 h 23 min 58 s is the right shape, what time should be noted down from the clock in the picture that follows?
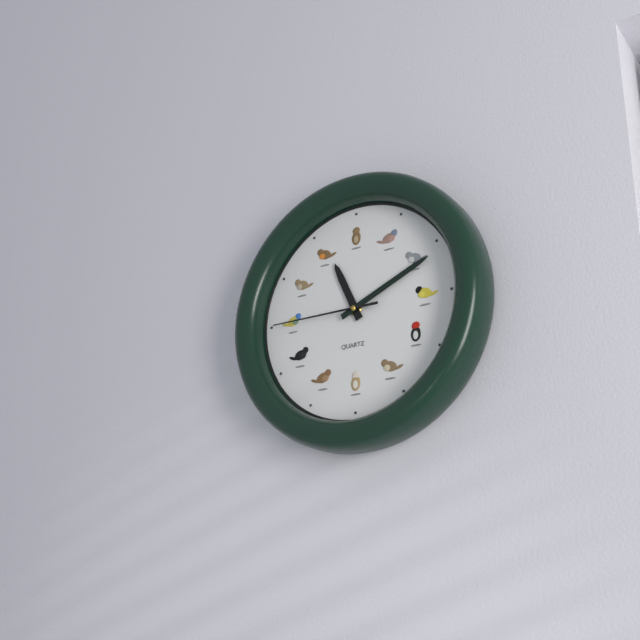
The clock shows 11 h 11 min 45 s
